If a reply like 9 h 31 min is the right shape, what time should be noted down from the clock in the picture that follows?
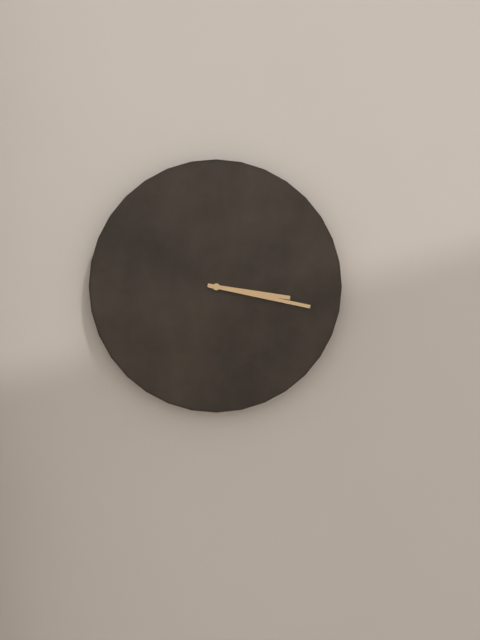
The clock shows 3 h 17 min
